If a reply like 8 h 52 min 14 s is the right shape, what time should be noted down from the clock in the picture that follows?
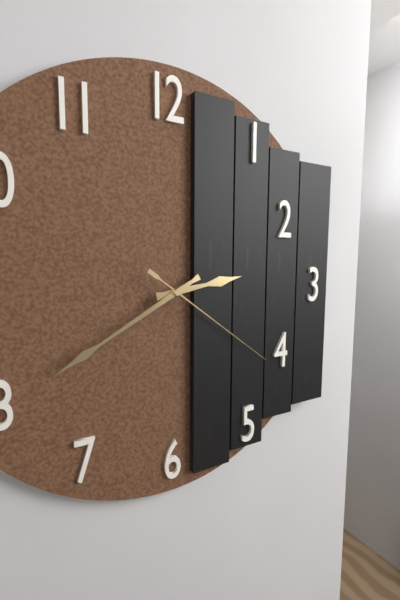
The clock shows 2 h 40 min 21 s
